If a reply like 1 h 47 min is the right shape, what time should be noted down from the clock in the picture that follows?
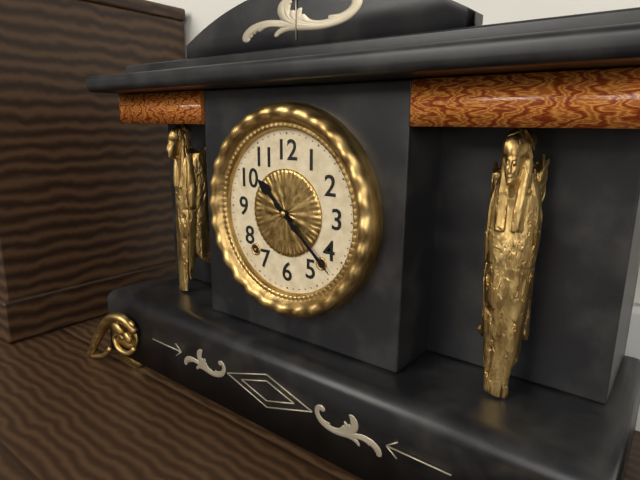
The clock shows 10 h 22 min
